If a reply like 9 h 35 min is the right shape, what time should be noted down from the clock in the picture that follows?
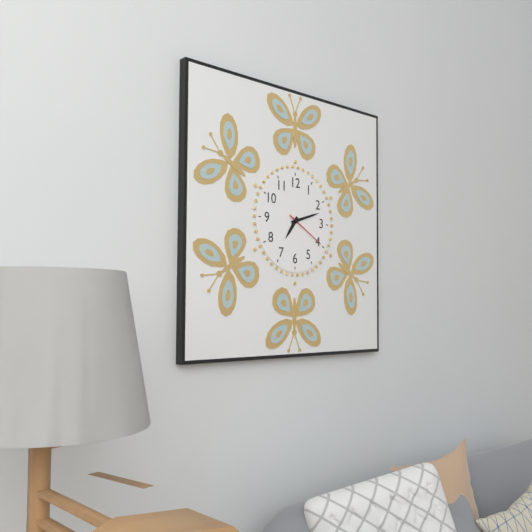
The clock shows 7 h 12 min
